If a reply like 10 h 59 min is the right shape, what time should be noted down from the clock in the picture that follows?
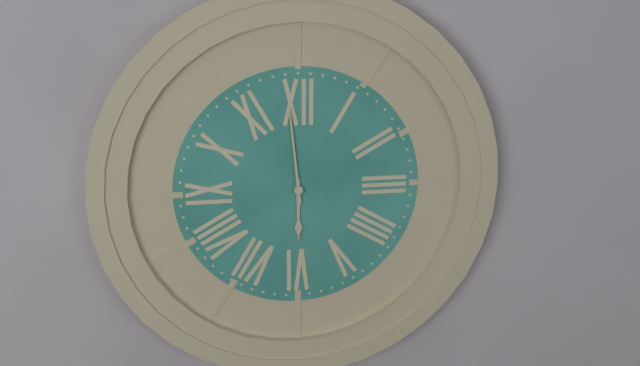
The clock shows 5 h 59 min
